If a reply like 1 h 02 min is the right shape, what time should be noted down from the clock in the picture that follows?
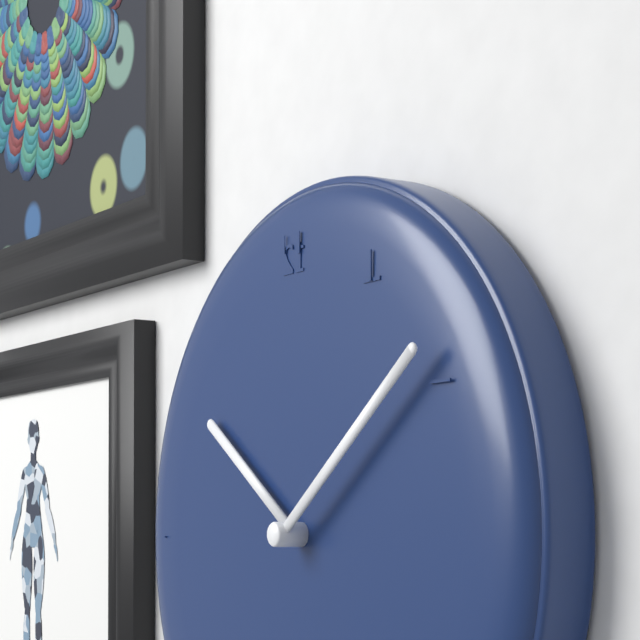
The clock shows 10 h 09 min
